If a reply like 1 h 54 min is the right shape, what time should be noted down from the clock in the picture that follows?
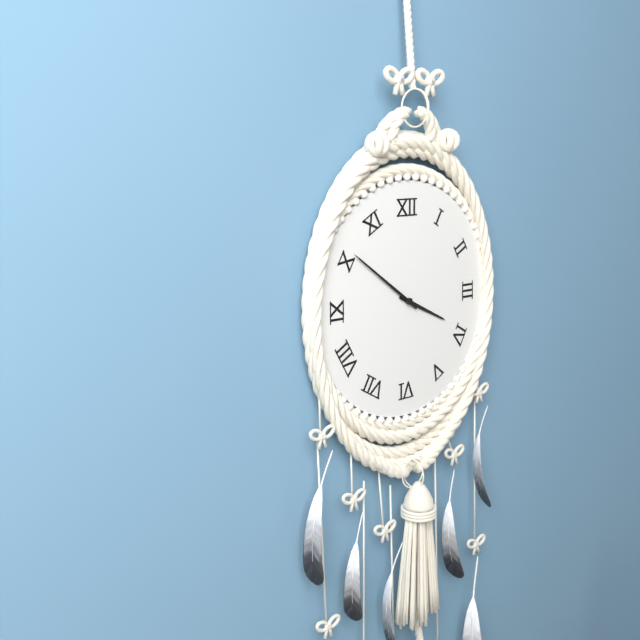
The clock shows 3 h 51 min
